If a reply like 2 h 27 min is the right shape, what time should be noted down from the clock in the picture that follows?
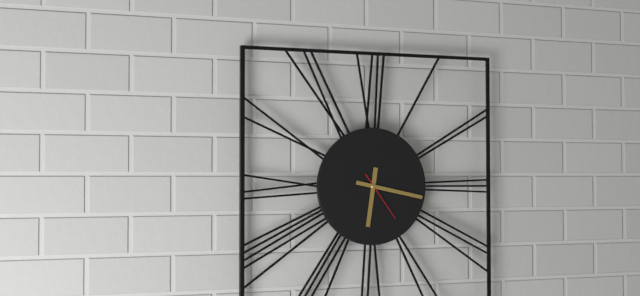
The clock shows 6 h 17 min
